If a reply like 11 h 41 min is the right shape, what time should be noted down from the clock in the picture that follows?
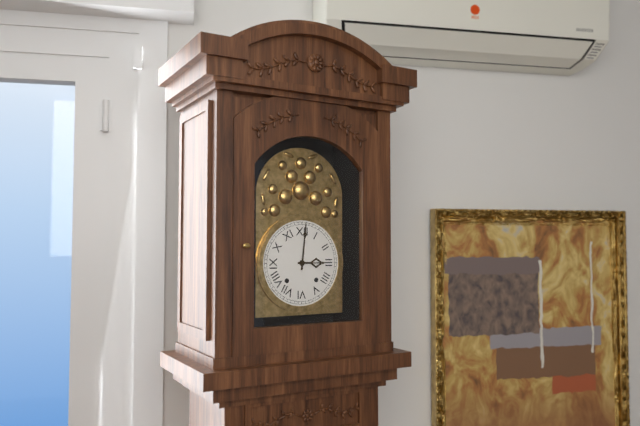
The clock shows 3 h 01 min
